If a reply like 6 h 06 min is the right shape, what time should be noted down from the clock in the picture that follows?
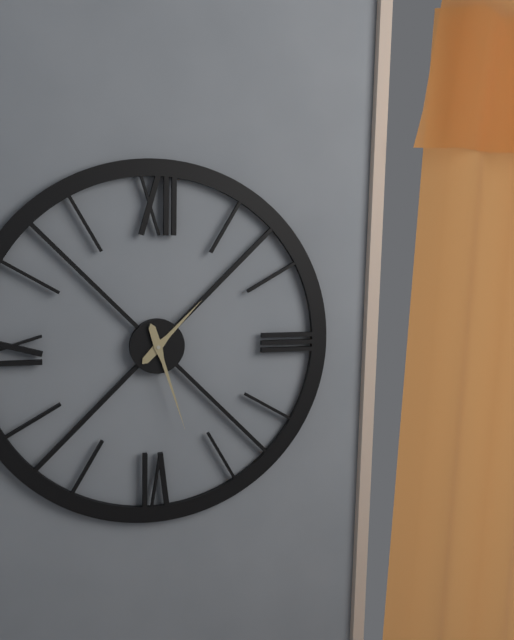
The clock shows 1 h 27 min
